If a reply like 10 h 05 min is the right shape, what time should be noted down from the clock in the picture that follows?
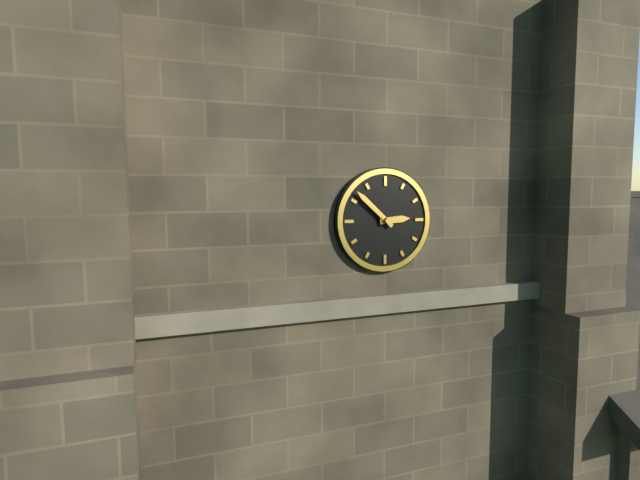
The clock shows 2 h 52 min
